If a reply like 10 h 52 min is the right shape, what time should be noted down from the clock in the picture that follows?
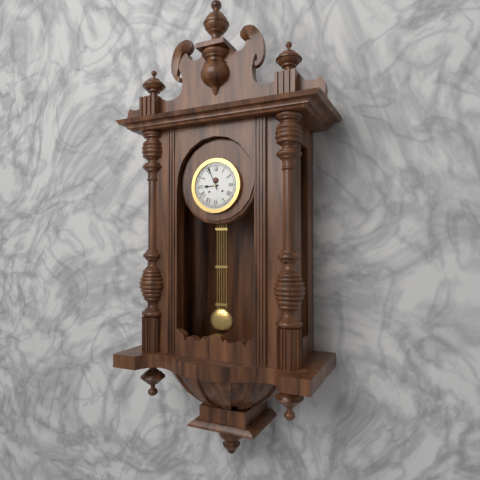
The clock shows 8 h 56 min
